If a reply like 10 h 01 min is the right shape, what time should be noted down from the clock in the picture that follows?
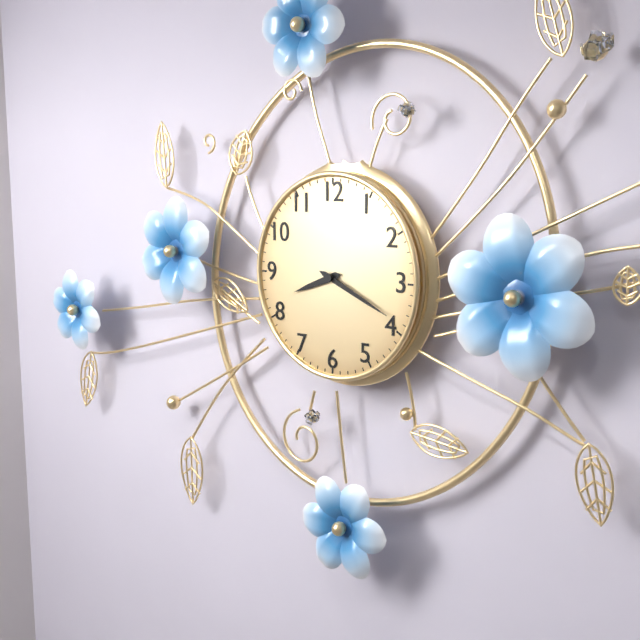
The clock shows 8 h 19 min
